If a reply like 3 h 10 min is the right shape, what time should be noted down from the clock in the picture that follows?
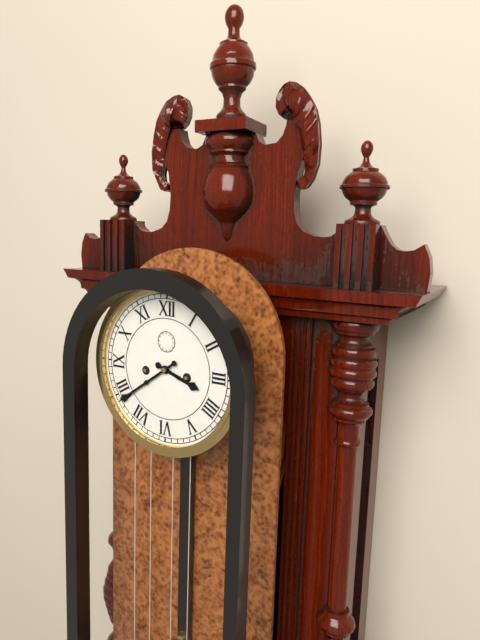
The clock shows 3 h 39 min
